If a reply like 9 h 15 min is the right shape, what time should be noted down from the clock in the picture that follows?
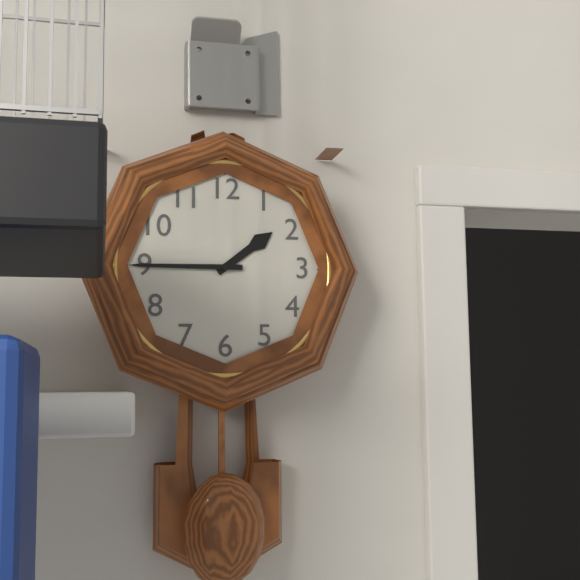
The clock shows 1 h 45 min
